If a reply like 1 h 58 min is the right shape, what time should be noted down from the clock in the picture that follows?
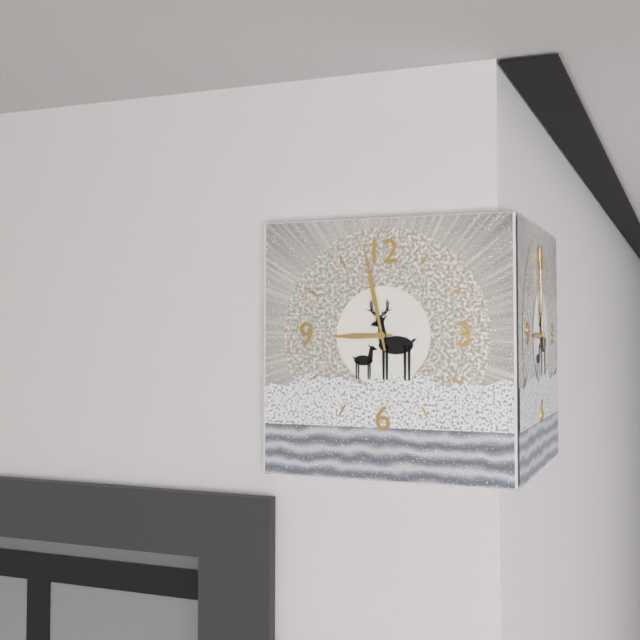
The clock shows 8 h 58 min
